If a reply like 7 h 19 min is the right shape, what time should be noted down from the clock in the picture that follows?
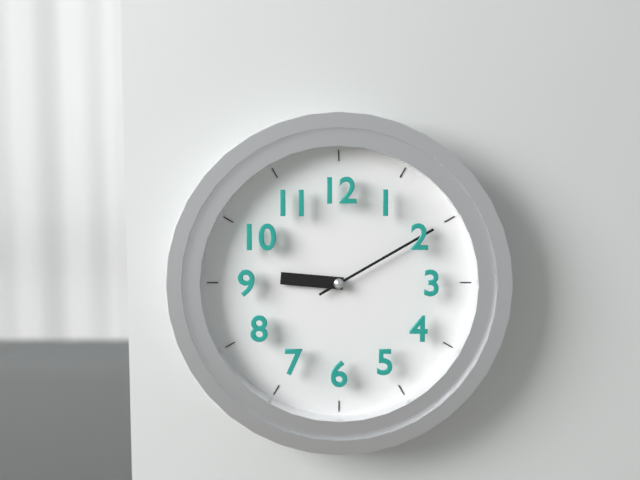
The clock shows 9 h 10 min
